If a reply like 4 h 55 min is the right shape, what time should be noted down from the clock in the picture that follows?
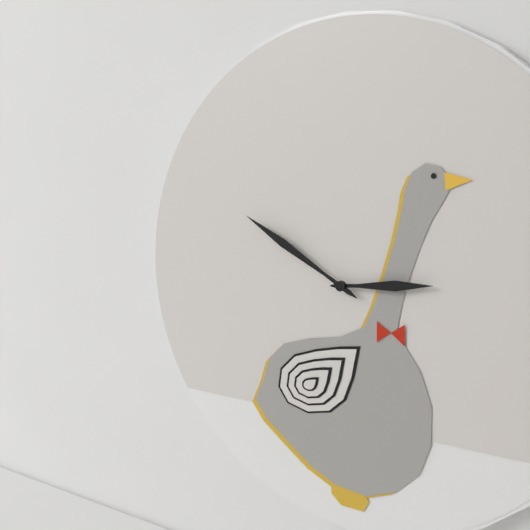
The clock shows 2 h 50 min
